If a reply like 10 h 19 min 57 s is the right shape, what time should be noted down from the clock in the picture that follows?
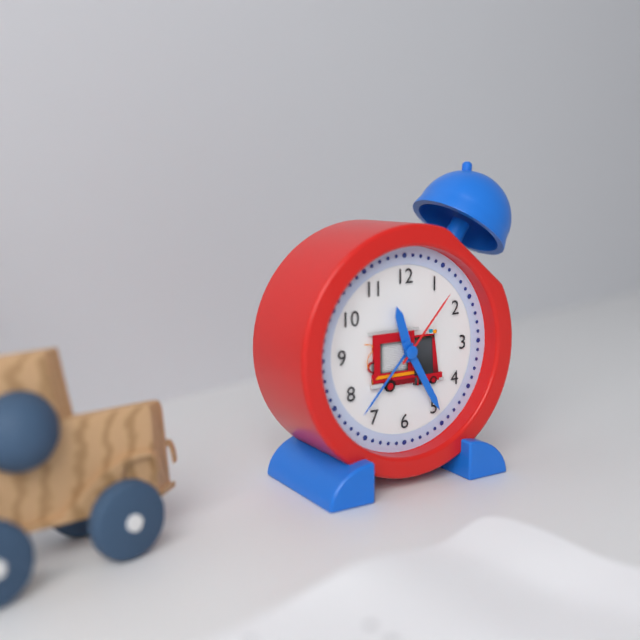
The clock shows 11 h 25 min 07 s
